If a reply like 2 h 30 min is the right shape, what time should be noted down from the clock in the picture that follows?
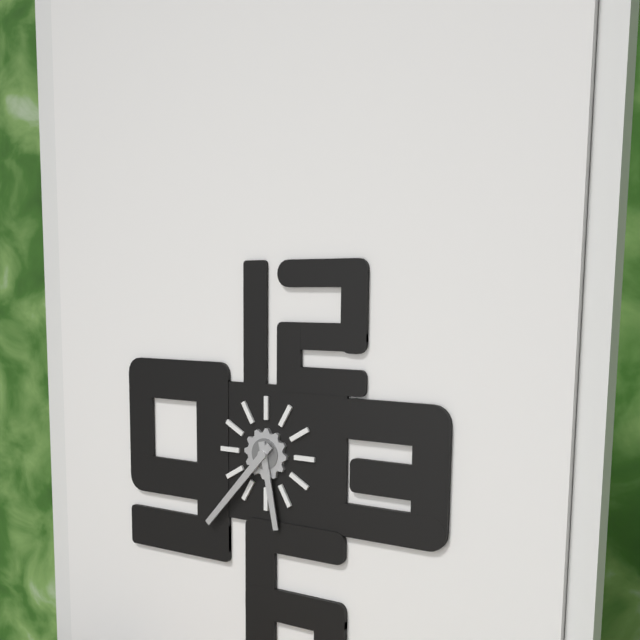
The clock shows 5 h 37 min
